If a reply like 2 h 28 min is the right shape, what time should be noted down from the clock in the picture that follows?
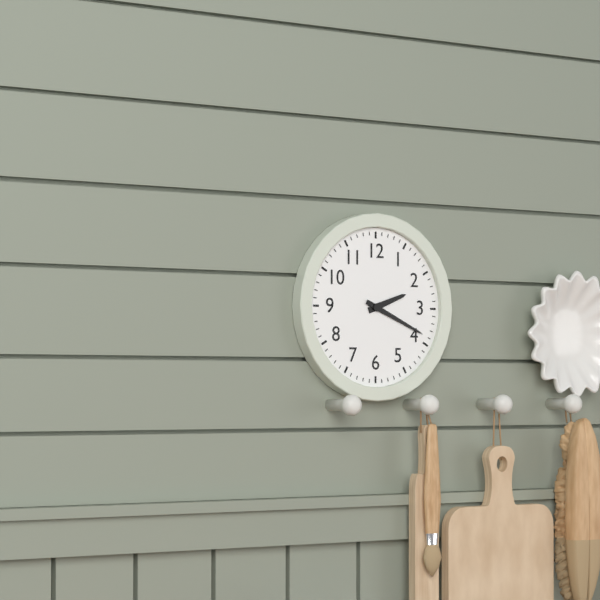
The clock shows 2 h 19 min
